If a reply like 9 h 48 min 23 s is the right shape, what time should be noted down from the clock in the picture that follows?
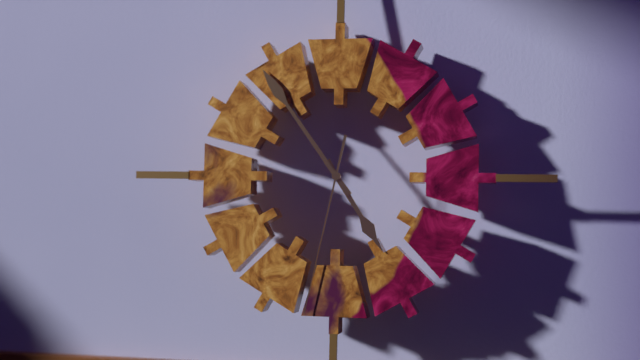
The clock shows 4 h 54 min 32 s
